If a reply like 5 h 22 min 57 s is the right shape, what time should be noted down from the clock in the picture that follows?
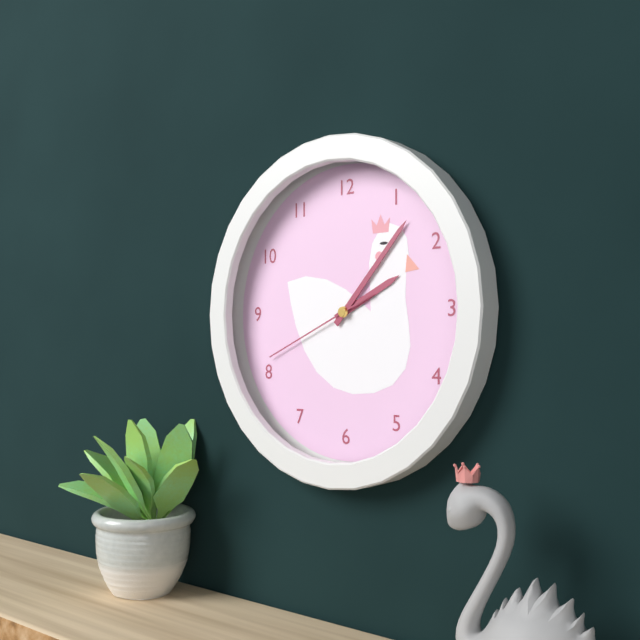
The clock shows 2 h 07 min 41 s
